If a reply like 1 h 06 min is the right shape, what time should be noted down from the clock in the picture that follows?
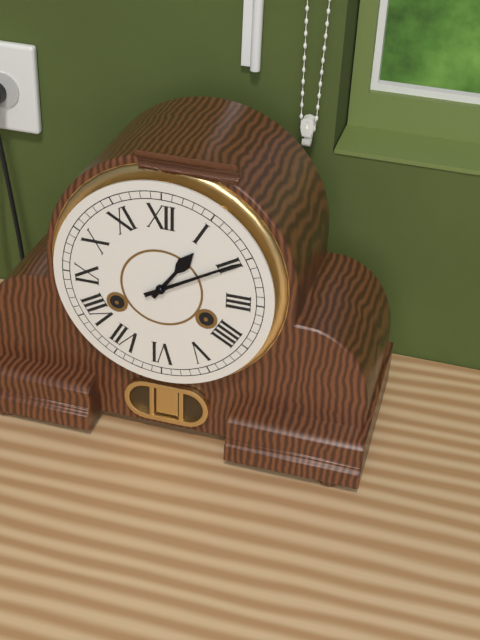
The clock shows 1 h 10 min
